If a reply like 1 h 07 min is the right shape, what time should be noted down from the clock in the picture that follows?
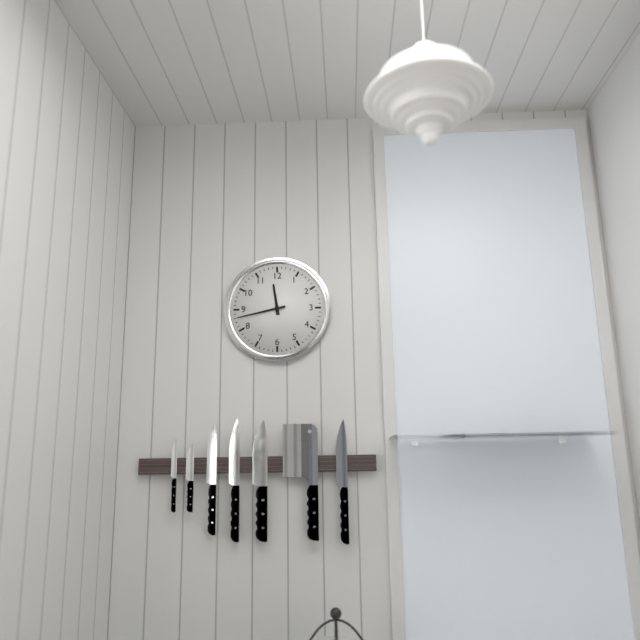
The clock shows 11 h 43 min
